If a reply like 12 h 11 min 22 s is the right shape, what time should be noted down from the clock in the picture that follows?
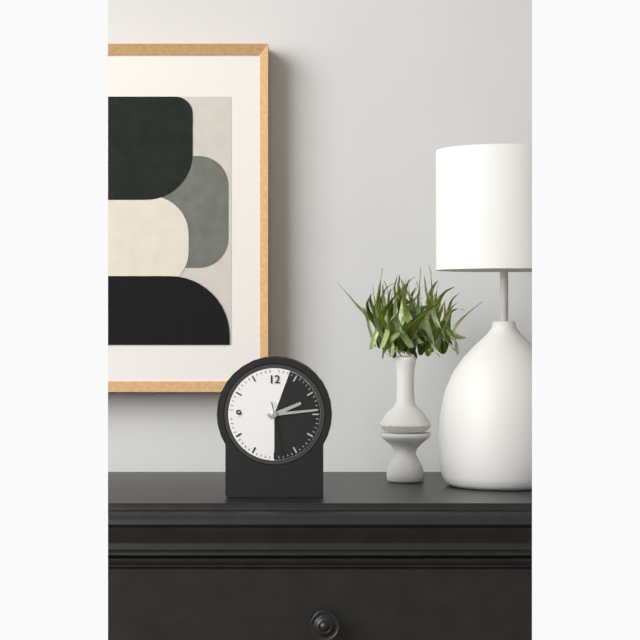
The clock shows 2 h 14 min 28 s
